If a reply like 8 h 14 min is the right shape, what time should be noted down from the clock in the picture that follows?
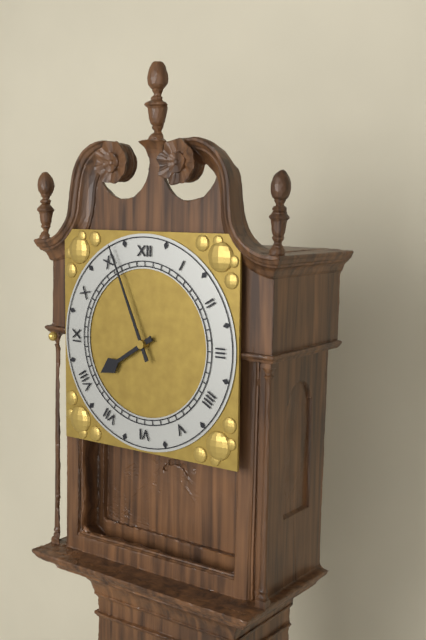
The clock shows 7 h 56 min
